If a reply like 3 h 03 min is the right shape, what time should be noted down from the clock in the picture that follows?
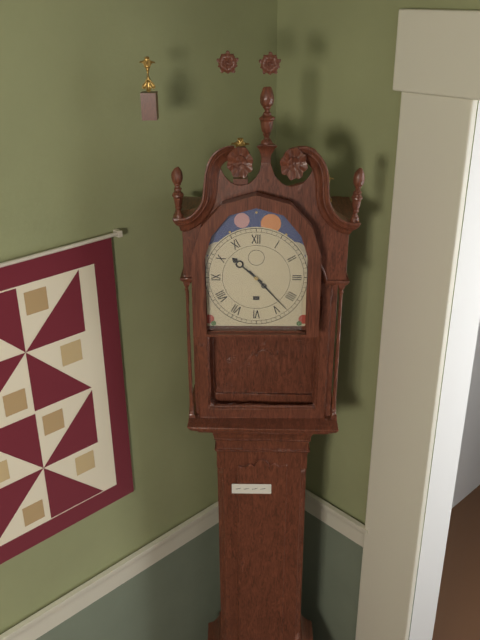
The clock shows 10 h 23 min
